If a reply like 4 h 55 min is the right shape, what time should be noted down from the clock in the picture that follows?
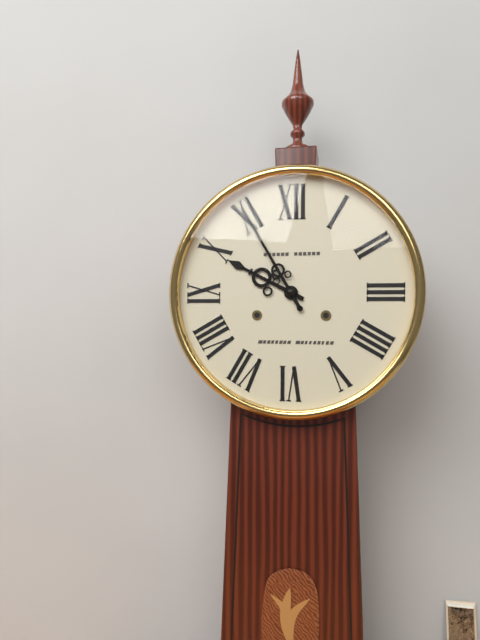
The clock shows 9 h 55 min
